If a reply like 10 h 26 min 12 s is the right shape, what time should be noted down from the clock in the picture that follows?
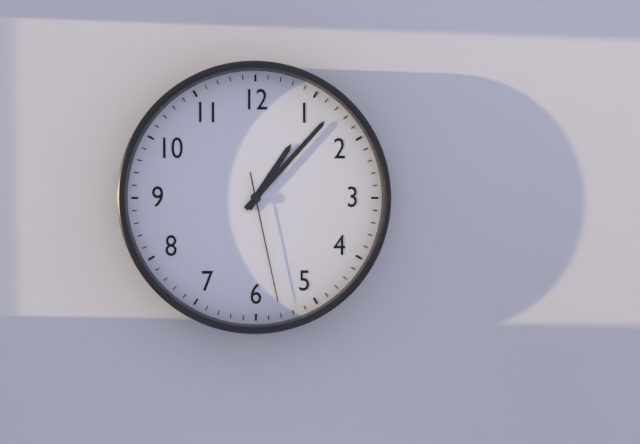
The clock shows 1 h 07 min 28 s
